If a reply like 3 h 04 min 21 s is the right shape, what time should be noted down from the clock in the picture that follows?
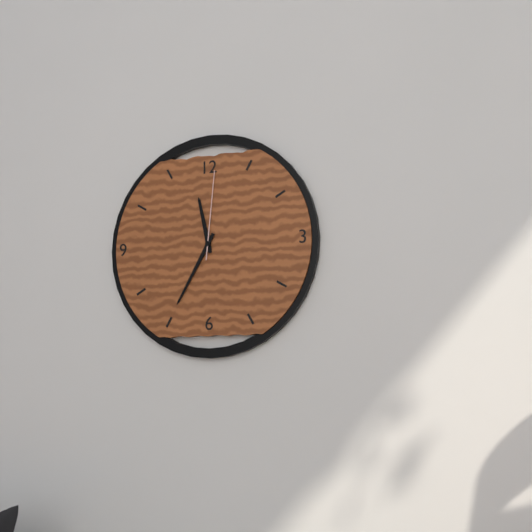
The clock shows 11 h 35 min 01 s
